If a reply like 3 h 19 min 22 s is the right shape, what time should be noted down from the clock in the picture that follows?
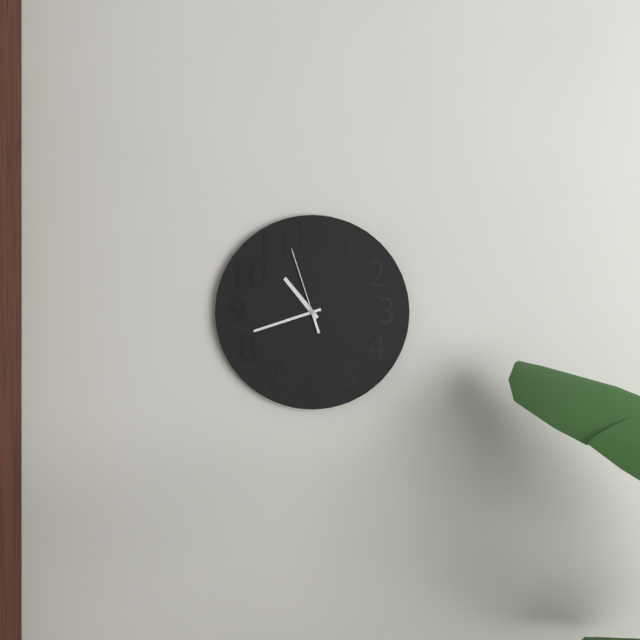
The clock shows 10 h 42 min 57 s
